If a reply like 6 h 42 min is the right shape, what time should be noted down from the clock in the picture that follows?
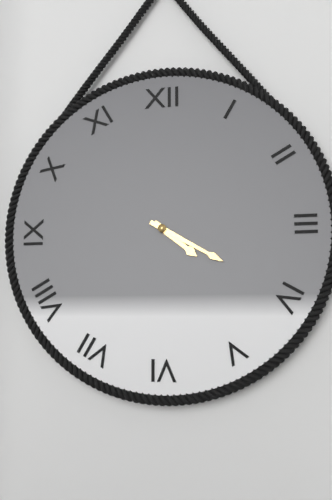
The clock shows 4 h 20 min
